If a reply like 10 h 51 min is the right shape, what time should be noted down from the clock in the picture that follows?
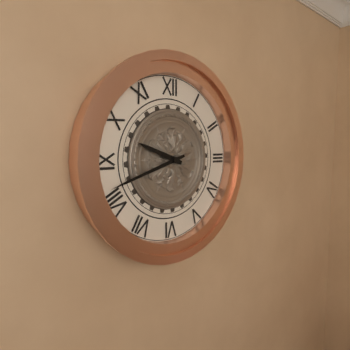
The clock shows 9 h 42 min
